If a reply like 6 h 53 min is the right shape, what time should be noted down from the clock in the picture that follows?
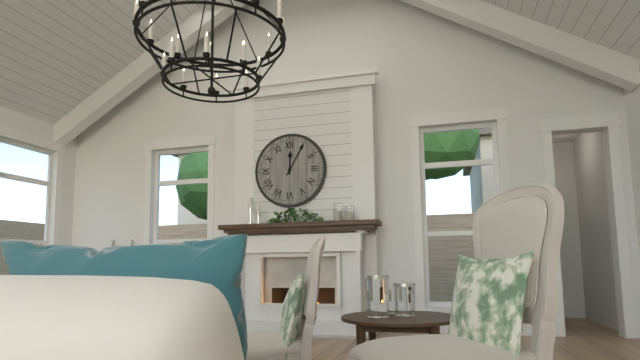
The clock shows 12 h 05 min
